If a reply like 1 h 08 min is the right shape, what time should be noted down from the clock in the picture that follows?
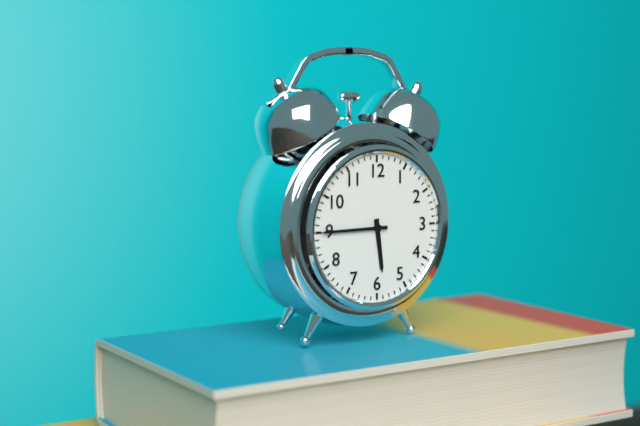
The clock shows 5 h 45 min
